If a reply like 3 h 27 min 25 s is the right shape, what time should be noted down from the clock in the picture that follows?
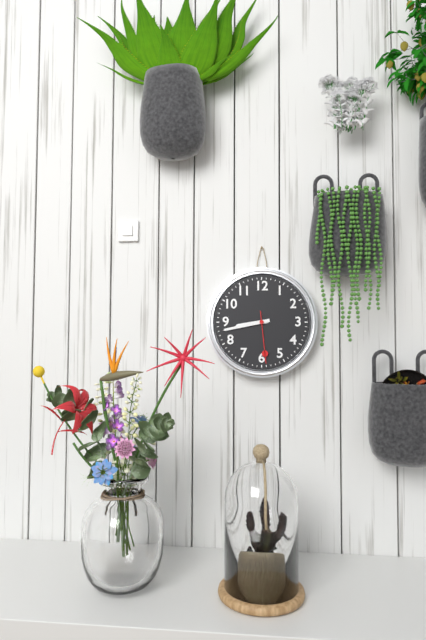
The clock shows 8 h 43 min 29 s
